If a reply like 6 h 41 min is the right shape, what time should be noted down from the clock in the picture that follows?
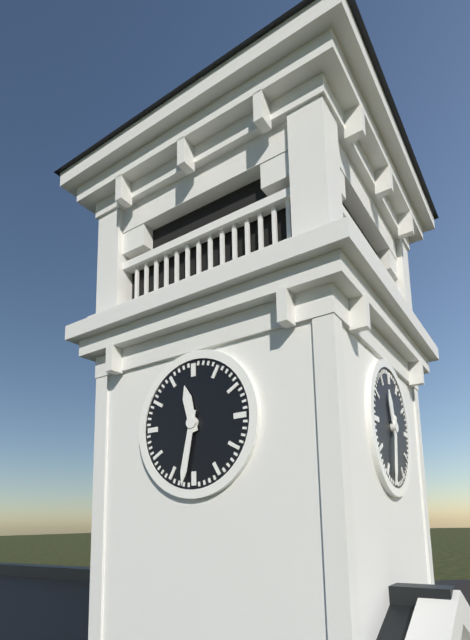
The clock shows 11 h 32 min
